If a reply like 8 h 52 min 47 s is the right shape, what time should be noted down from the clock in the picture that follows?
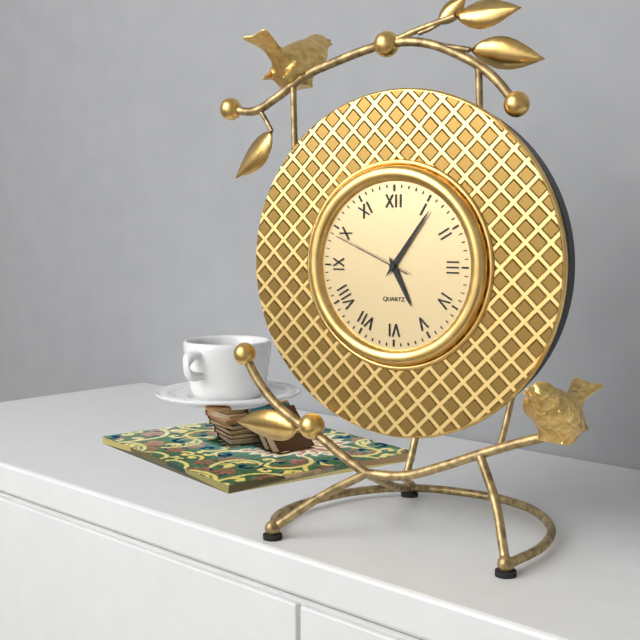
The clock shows 5 h 06 min 49 s
